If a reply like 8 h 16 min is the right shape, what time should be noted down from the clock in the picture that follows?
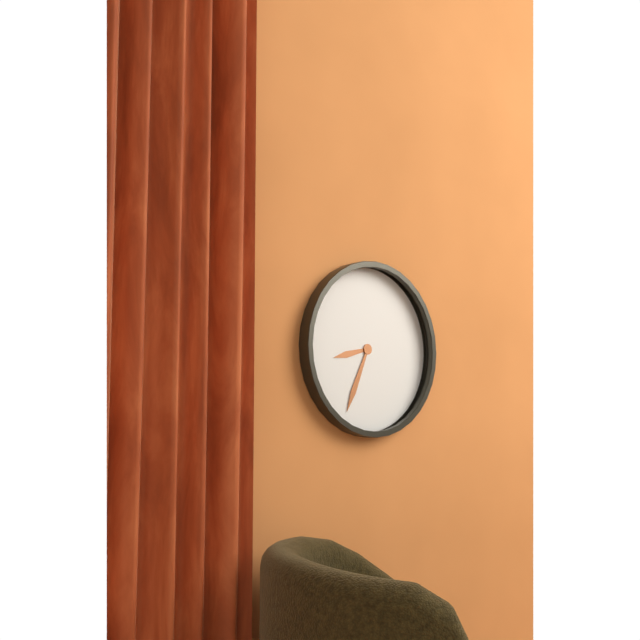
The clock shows 8 h 34 min
